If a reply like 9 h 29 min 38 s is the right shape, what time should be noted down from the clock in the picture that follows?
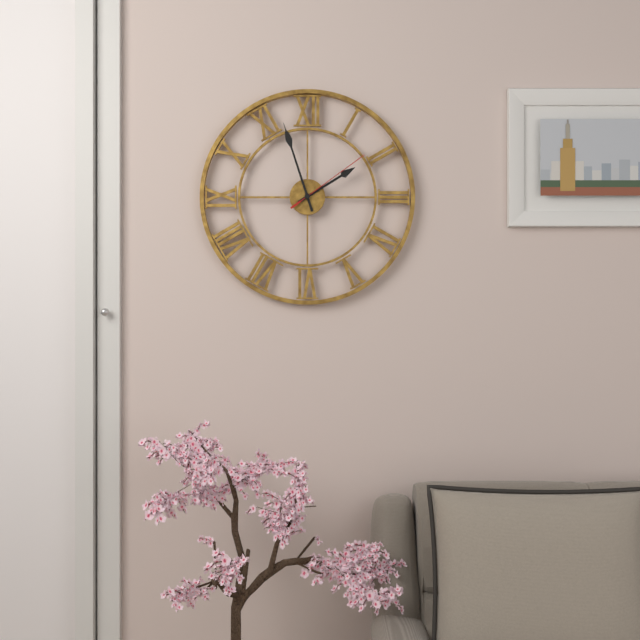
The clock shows 1 h 57 min 09 s
